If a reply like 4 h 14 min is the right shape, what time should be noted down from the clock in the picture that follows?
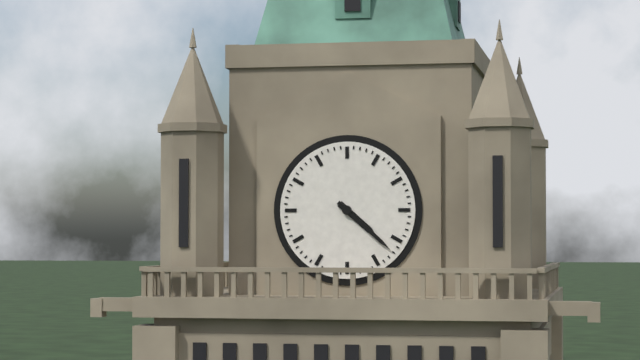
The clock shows 4 h 22 min
